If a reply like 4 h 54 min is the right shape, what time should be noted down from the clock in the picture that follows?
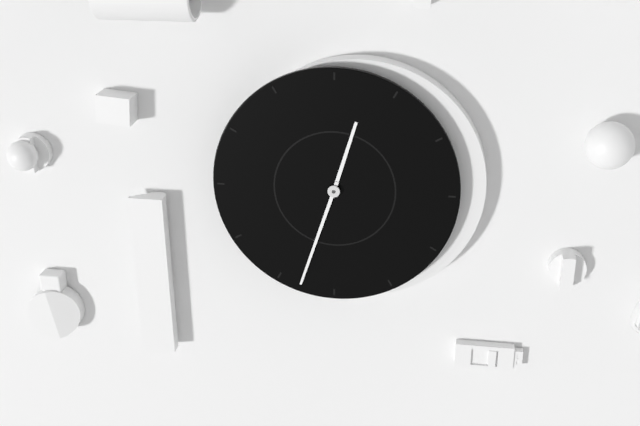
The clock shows 12 h 33 min
